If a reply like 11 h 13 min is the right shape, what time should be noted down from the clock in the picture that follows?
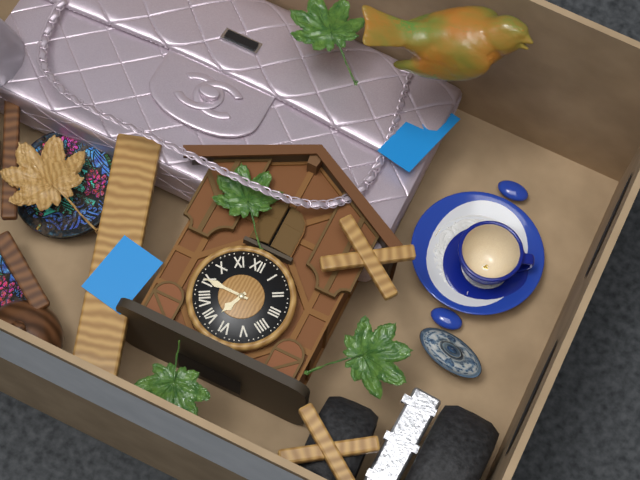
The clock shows 6 h 45 min
